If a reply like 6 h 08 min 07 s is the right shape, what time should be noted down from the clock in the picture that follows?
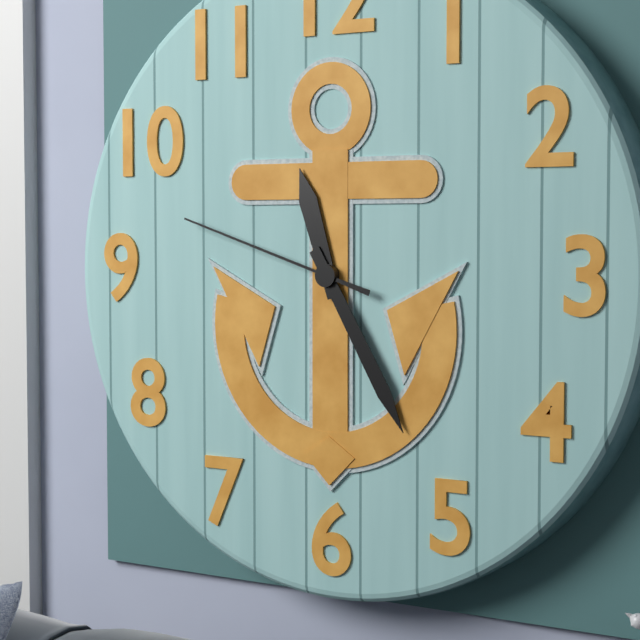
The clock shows 11 h 25 min 48 s
